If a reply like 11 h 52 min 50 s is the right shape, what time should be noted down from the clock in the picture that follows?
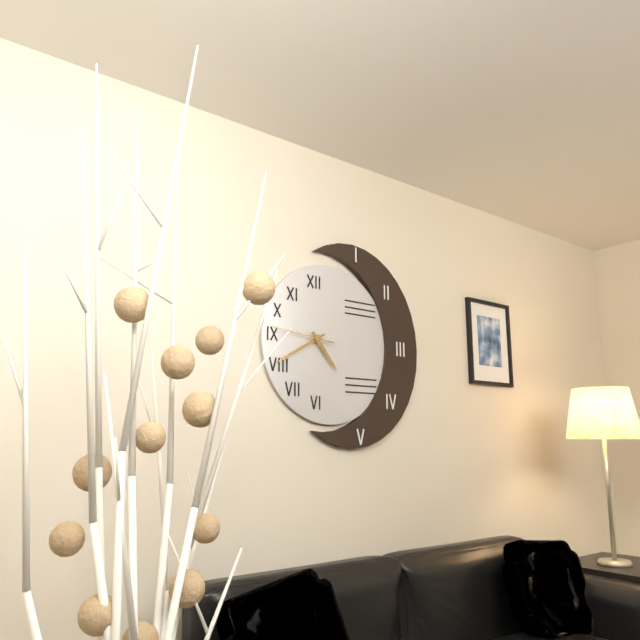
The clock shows 4 h 40 min 46 s
